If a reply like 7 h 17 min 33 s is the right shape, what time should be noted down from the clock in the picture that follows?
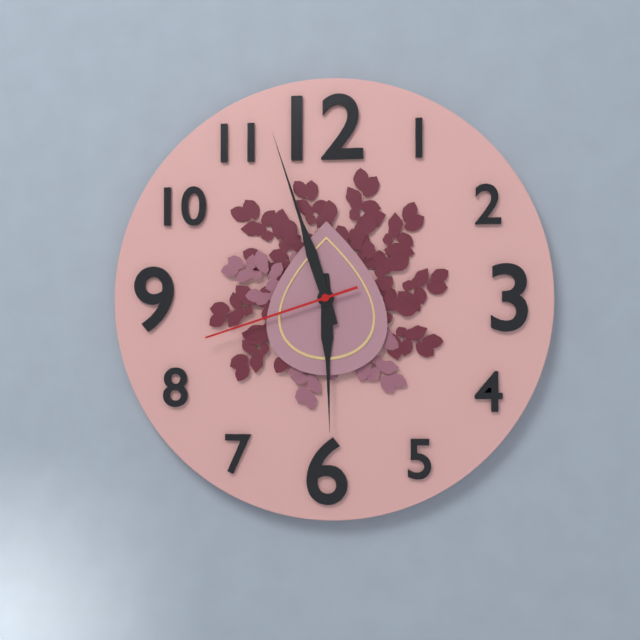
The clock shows 5 h 57 min 42 s
